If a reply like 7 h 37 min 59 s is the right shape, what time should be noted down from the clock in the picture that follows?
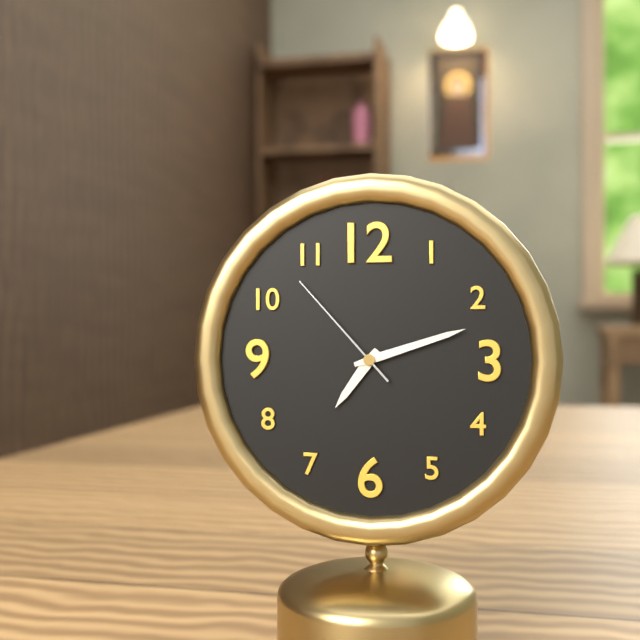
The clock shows 7 h 12 min 53 s
